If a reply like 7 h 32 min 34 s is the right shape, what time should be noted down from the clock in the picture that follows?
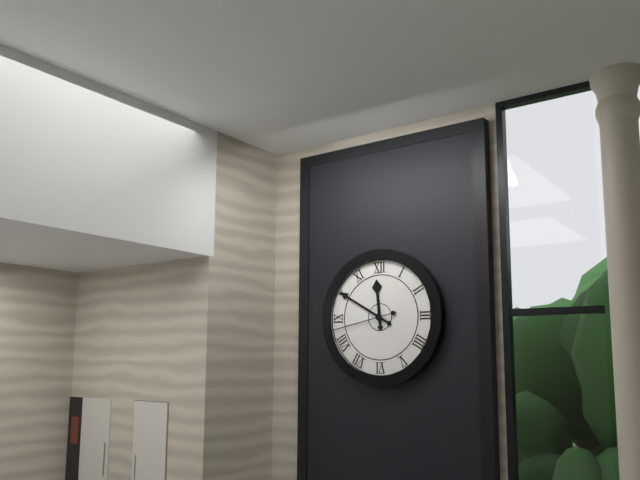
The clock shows 11 h 50 min 43 s
